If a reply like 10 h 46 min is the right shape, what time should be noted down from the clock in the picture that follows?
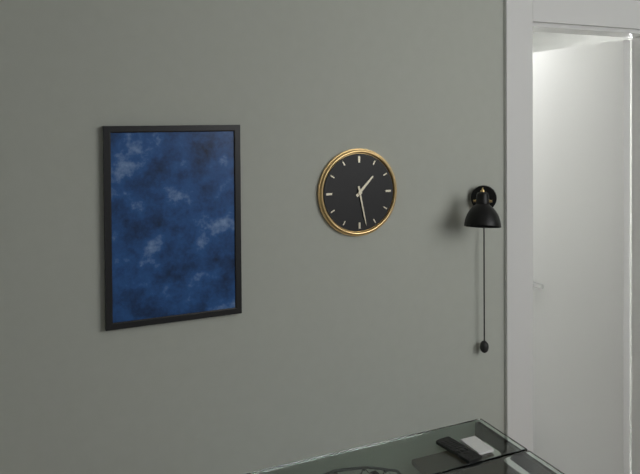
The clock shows 1 h 28 min
